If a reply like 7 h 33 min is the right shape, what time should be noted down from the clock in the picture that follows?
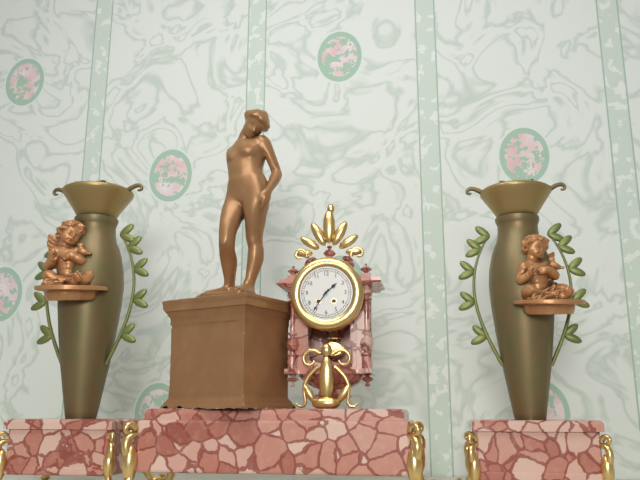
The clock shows 1 h 36 min
